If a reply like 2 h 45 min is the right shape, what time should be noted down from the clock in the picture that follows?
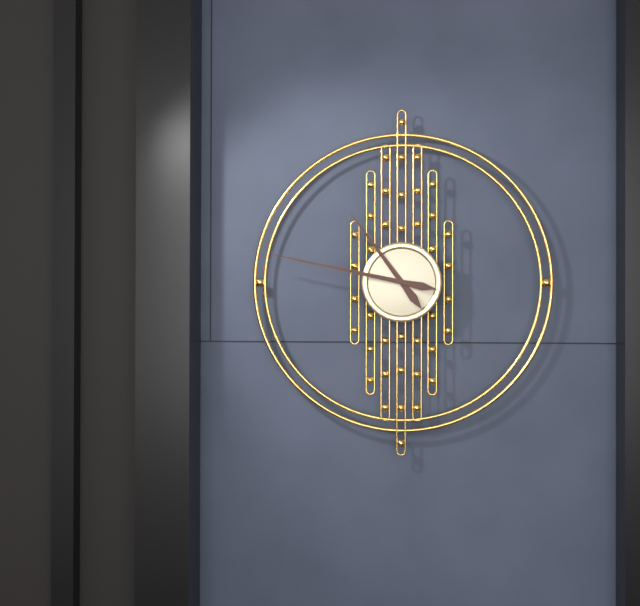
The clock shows 10 h 47 min
